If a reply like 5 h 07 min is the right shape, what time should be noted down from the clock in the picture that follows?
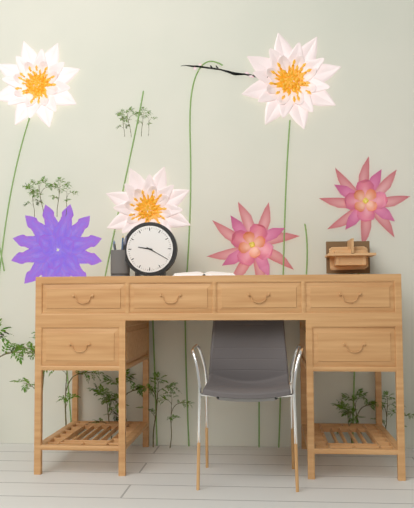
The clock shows 9 h 20 min
